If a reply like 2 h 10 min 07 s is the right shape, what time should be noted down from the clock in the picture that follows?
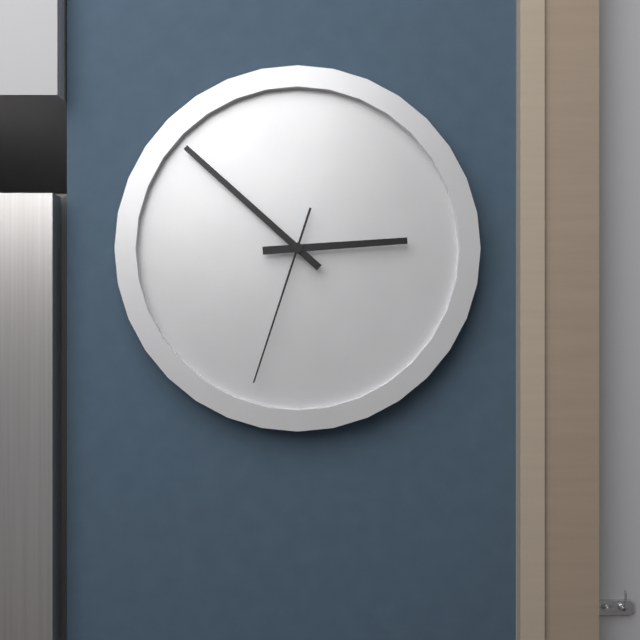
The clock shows 2 h 52 min 33 s
